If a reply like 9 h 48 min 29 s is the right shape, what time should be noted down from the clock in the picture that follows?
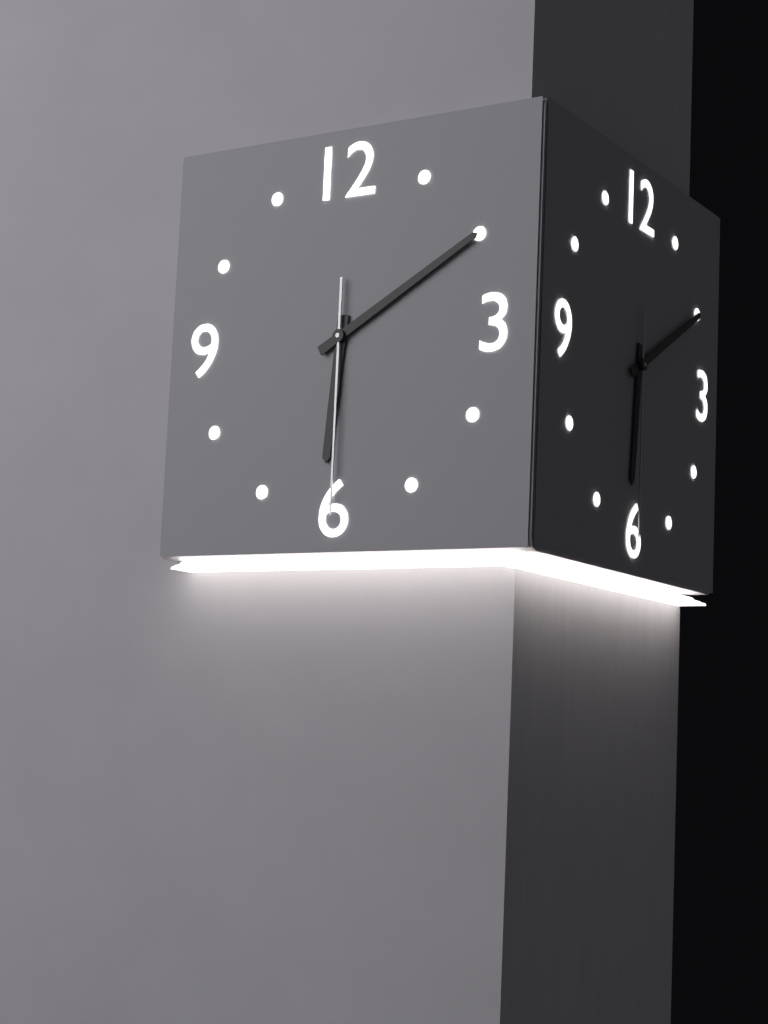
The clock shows 6 h 10 min 30 s
